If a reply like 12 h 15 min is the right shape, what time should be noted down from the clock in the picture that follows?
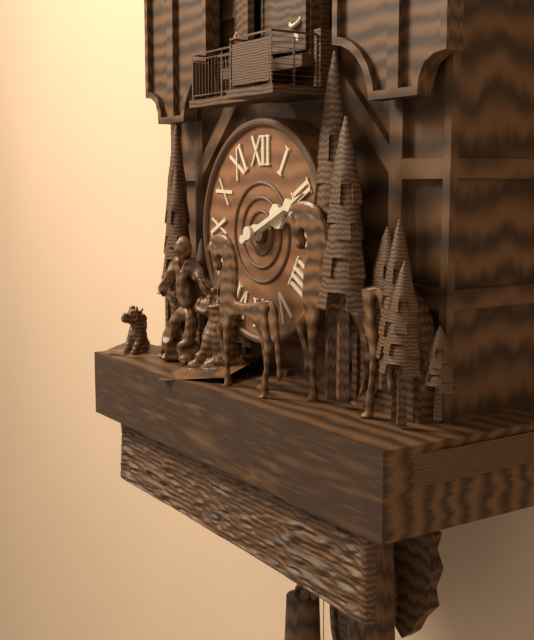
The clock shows 2 h 11 min
